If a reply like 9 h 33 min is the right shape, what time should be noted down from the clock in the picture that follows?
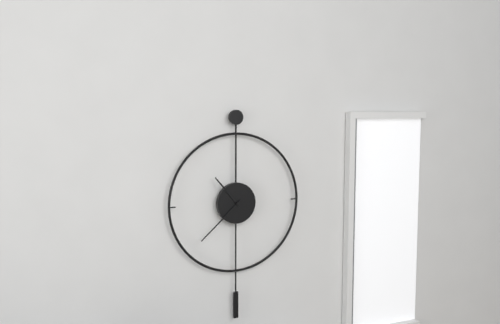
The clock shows 10 h 38 min
